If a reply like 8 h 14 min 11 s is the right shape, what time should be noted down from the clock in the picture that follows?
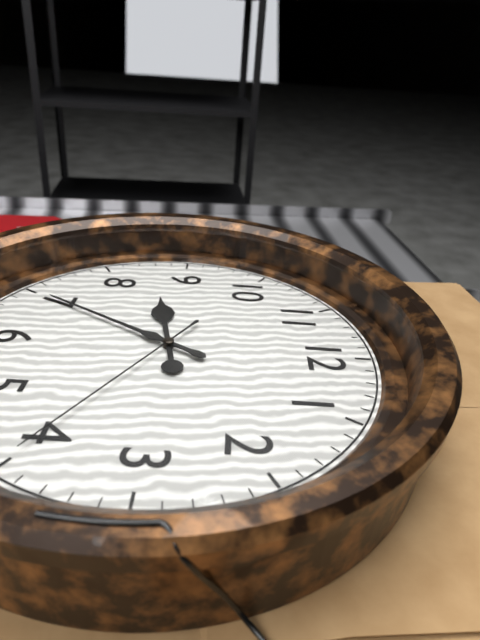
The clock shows 8 h 35 min 20 s
